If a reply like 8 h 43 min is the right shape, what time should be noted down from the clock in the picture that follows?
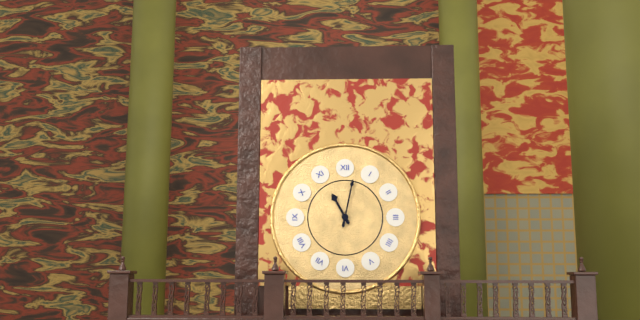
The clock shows 11 h 02 min
